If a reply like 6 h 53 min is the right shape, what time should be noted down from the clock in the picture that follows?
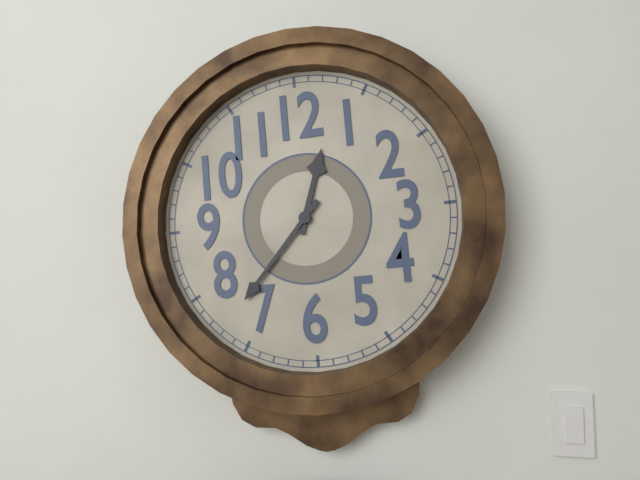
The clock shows 12 h 37 min
